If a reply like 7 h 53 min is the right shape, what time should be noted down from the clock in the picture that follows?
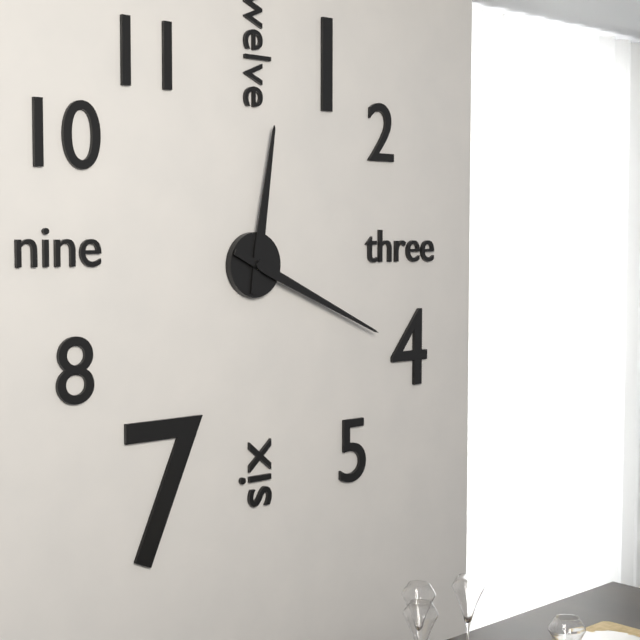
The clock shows 12 h 19 min
